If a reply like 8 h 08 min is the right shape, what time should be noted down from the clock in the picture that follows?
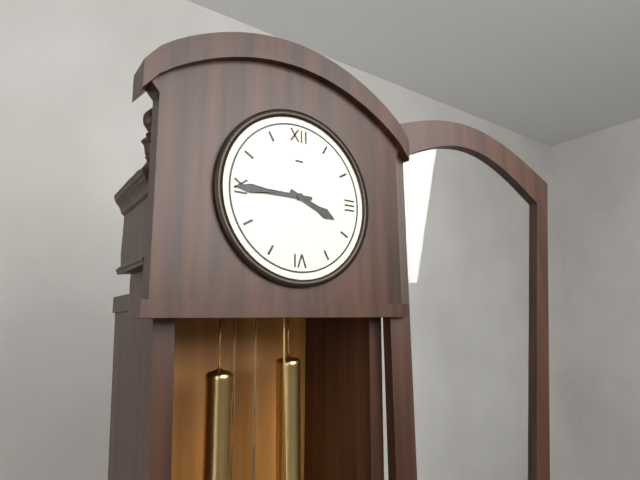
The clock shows 3 h 45 min
